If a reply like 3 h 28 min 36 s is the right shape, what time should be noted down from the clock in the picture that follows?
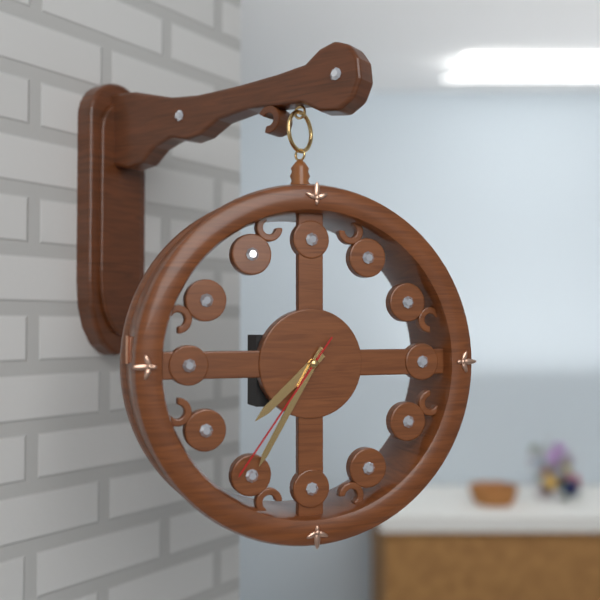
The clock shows 7 h 35 min 36 s
